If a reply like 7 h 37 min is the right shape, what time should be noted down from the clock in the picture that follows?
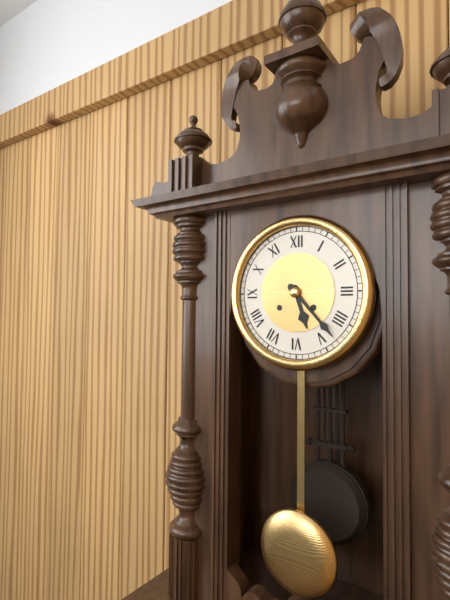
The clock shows 5 h 23 min
